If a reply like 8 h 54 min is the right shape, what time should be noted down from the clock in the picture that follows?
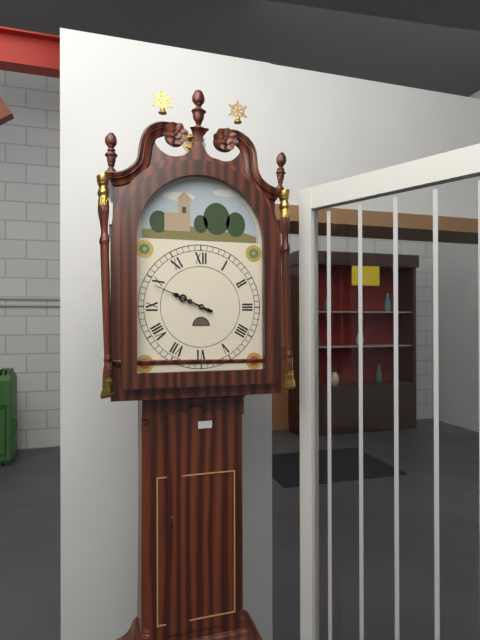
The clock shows 9 h 49 min
